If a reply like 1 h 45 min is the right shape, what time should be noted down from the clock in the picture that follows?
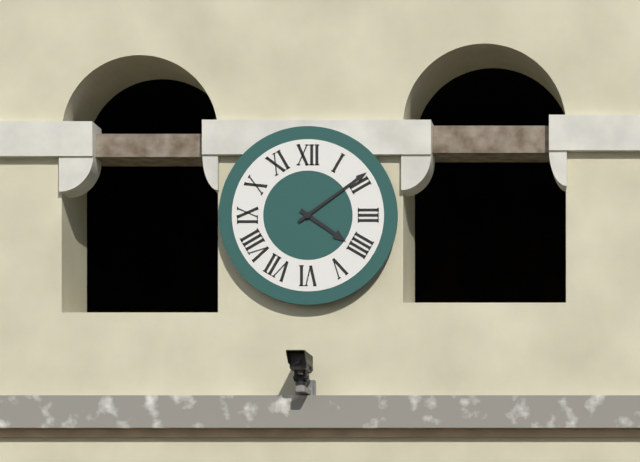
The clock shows 4 h 09 min
